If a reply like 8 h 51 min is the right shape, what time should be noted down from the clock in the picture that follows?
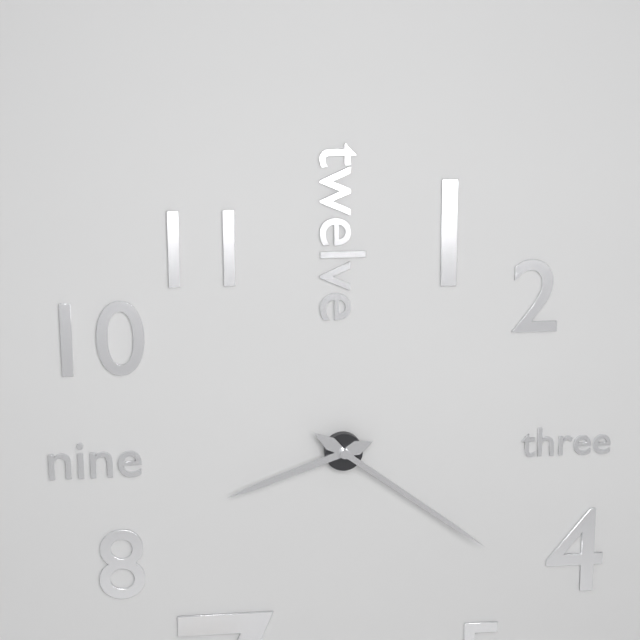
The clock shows 8 h 21 min
